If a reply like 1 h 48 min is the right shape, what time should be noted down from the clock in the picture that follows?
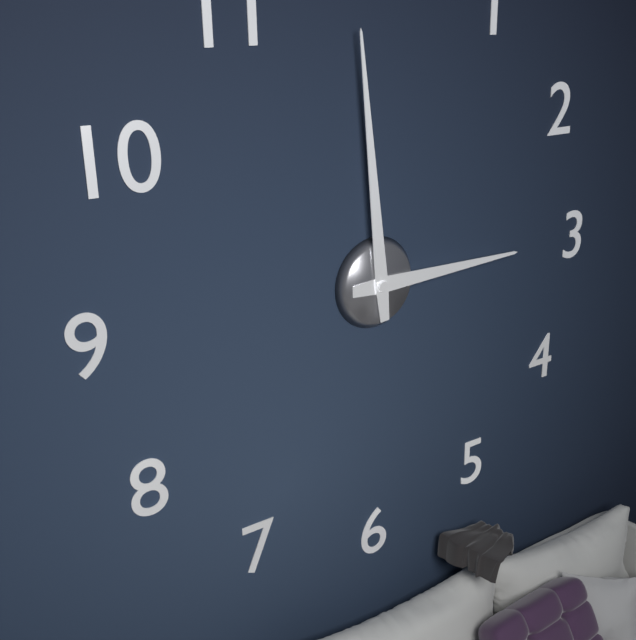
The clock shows 2 h 59 min
